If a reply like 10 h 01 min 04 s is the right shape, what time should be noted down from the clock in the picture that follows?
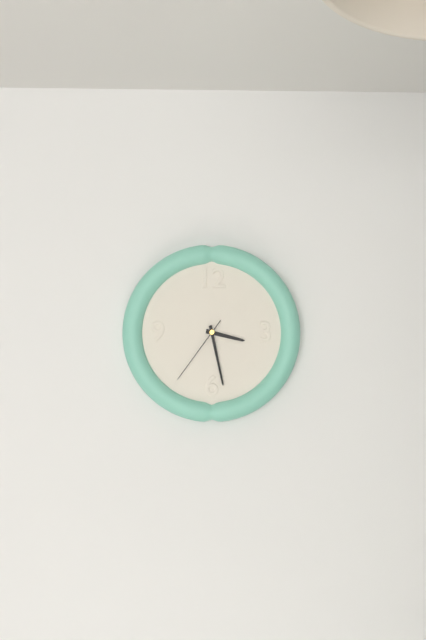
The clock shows 3 h 28 min 36 s
